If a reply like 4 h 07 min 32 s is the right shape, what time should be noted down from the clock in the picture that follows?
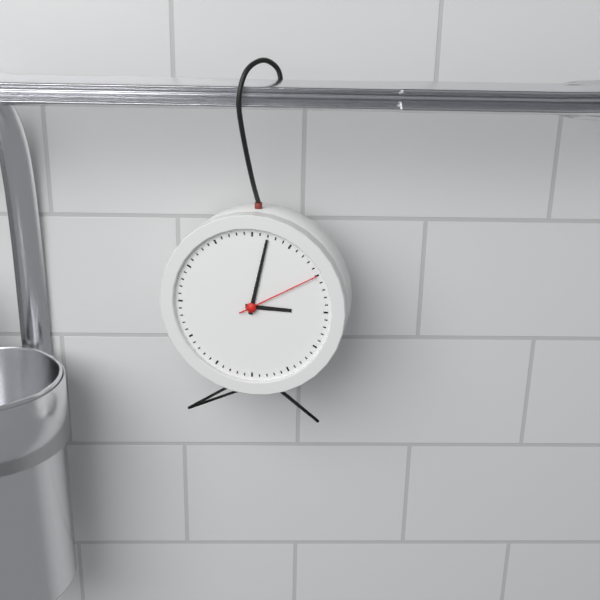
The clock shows 3 h 02 min 10 s
